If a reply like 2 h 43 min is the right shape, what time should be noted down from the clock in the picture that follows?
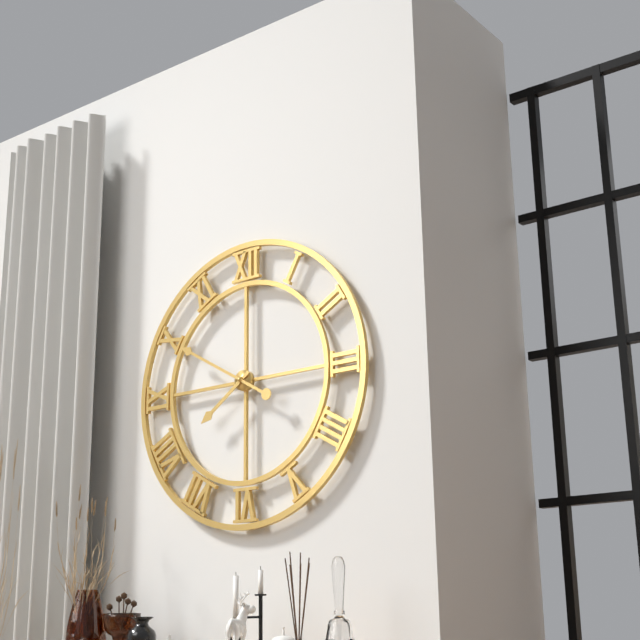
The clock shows 7 h 50 min
